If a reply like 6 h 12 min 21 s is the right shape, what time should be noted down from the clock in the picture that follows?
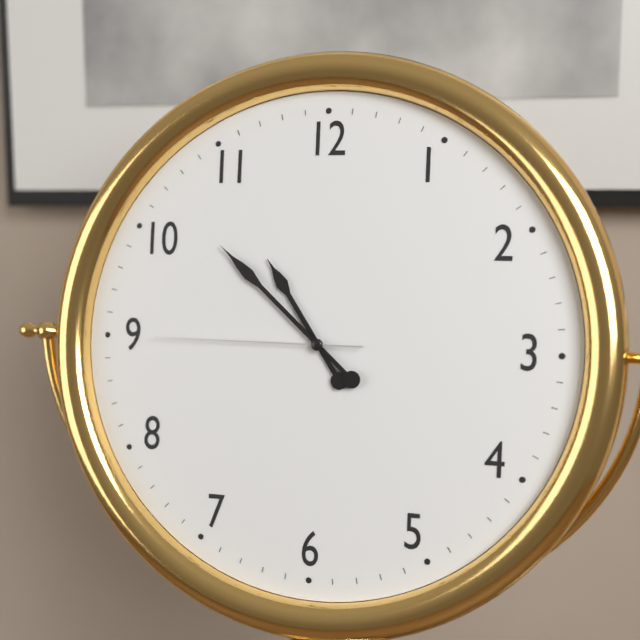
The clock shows 10 h 52 min 45 s
